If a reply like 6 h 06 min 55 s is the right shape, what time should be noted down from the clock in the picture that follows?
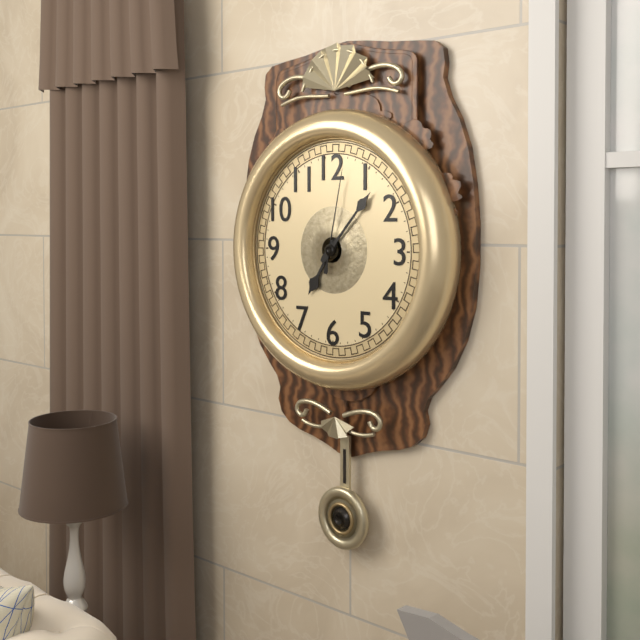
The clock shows 7 h 07 min 02 s
